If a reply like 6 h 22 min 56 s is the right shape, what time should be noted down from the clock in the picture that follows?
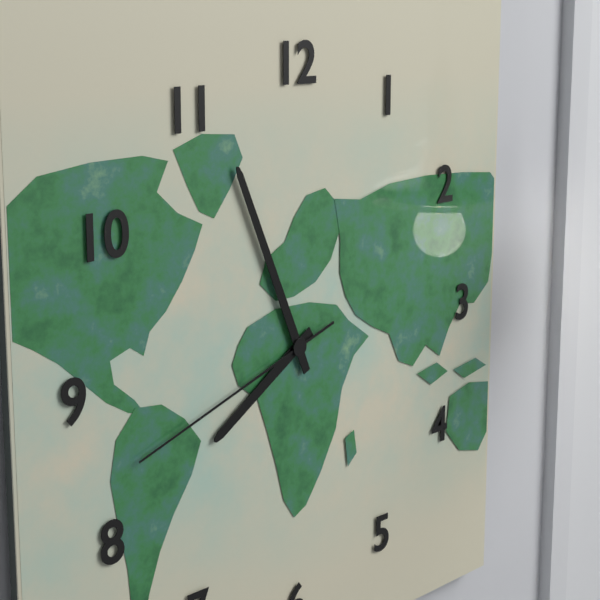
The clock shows 7 h 56 min 42 s
